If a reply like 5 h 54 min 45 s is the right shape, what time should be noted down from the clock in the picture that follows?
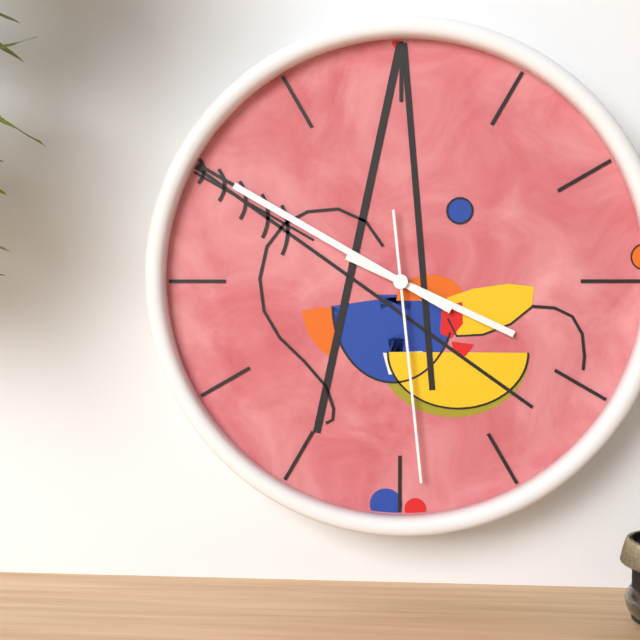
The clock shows 3 h 50 min 29 s
